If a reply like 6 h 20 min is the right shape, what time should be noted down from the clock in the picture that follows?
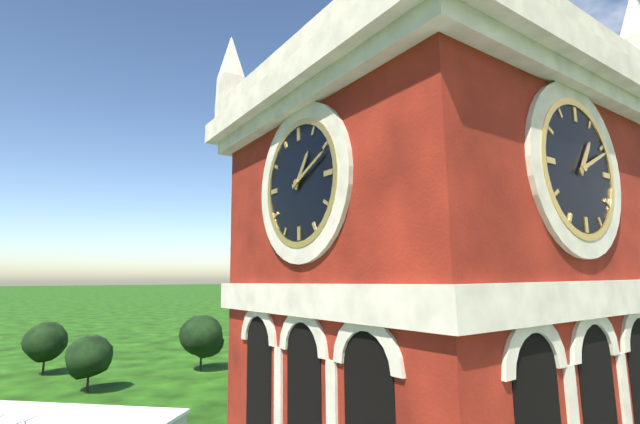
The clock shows 1 h 11 min
